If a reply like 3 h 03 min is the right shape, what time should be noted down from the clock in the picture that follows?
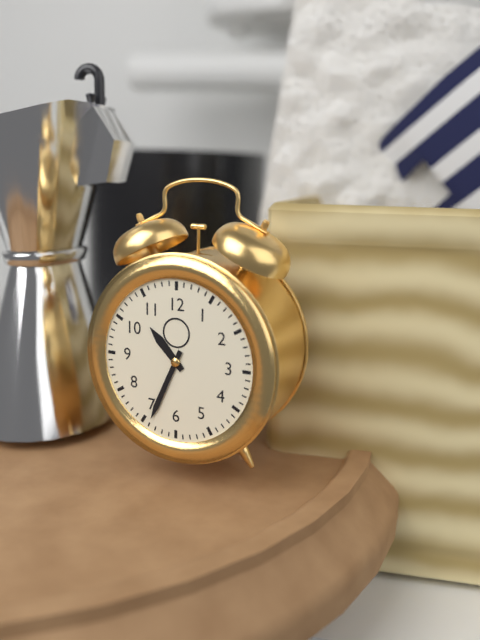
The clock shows 10 h 34 min
